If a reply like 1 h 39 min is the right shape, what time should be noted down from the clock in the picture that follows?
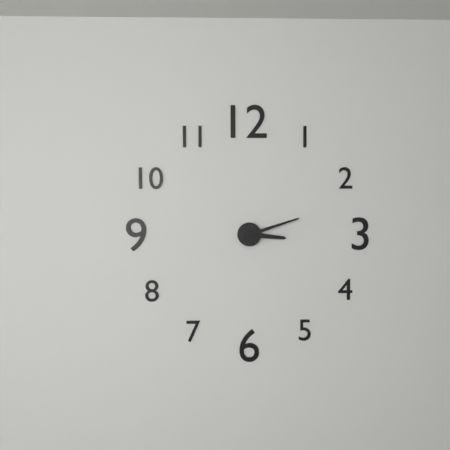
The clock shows 3 h 12 min
